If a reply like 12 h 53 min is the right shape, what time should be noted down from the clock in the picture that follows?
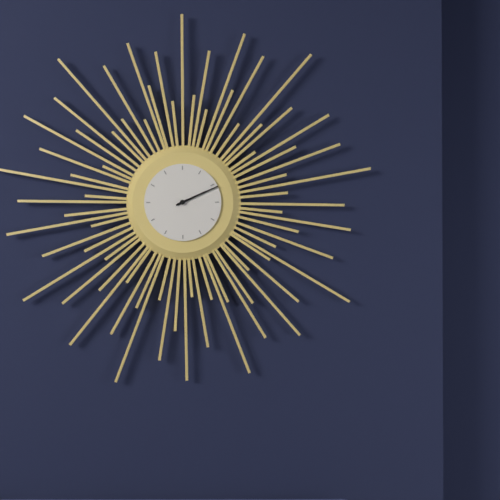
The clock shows 2 h 11 min
